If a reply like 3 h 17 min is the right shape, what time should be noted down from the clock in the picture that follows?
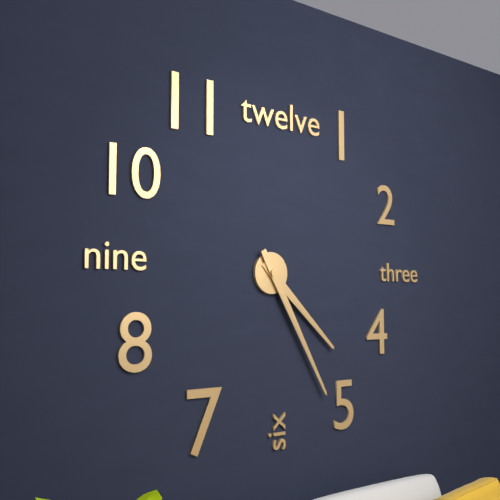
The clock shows 4 h 25 min
